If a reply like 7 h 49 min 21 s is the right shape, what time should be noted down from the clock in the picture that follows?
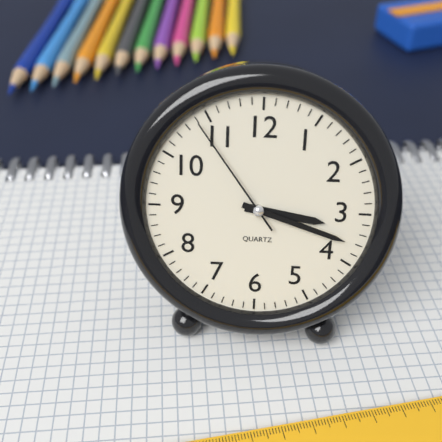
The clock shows 3 h 18 min 54 s
